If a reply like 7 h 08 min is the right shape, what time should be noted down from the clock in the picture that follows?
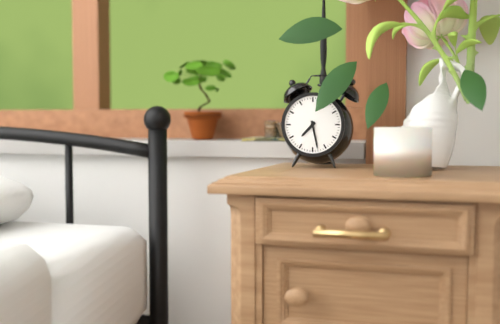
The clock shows 7 h 28 min
